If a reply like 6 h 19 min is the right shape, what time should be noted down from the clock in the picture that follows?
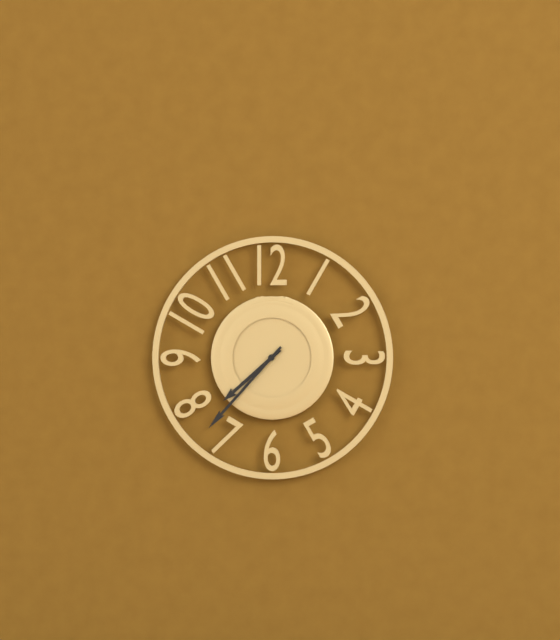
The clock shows 7 h 37 min
